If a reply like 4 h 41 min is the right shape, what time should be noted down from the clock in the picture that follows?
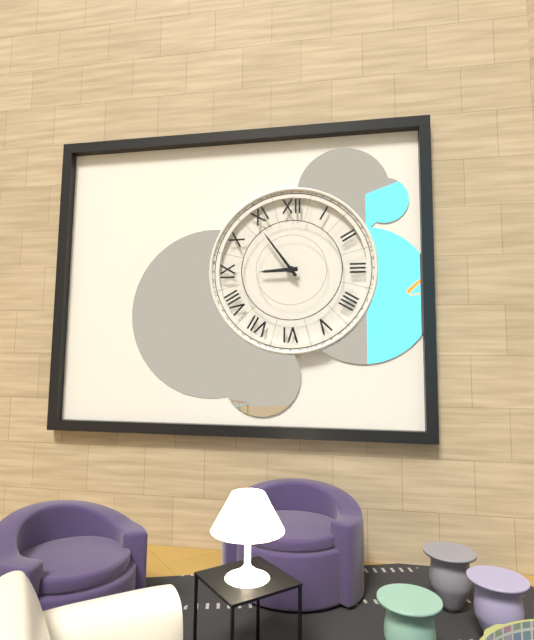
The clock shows 8 h 54 min
